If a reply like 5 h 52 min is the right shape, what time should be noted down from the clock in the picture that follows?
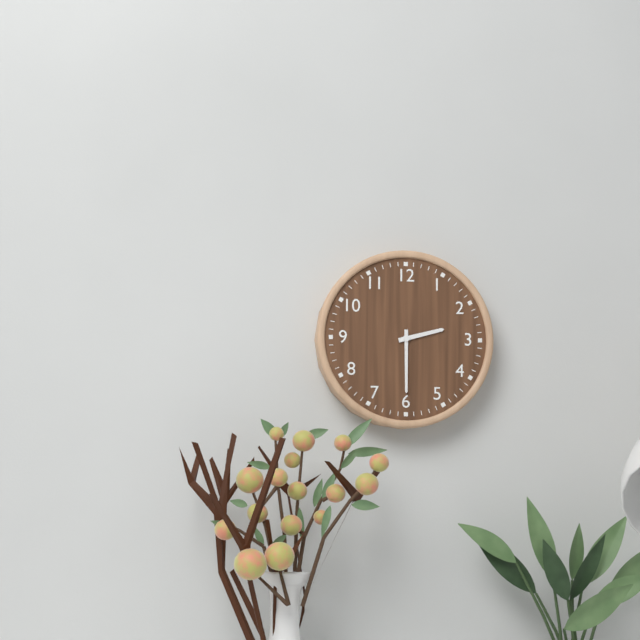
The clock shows 2 h 30 min
